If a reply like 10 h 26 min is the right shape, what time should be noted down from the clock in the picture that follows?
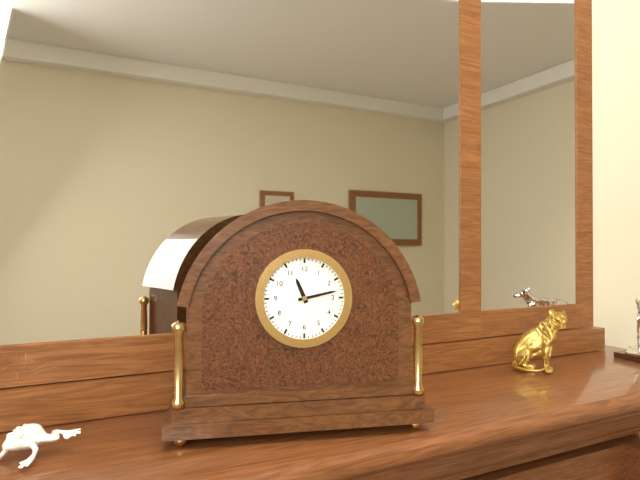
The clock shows 11 h 13 min
